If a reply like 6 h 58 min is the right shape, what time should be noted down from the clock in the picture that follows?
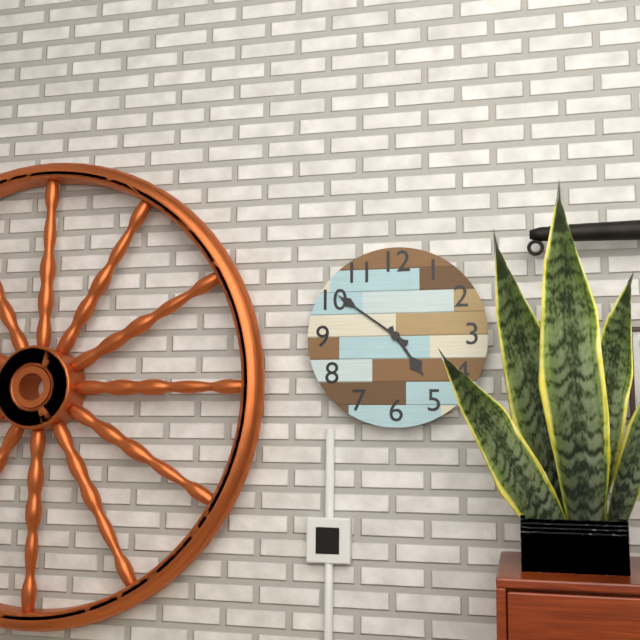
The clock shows 4 h 51 min
